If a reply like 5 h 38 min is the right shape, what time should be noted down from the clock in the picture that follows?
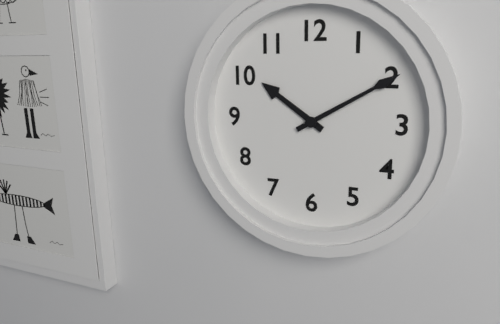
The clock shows 10 h 10 min
